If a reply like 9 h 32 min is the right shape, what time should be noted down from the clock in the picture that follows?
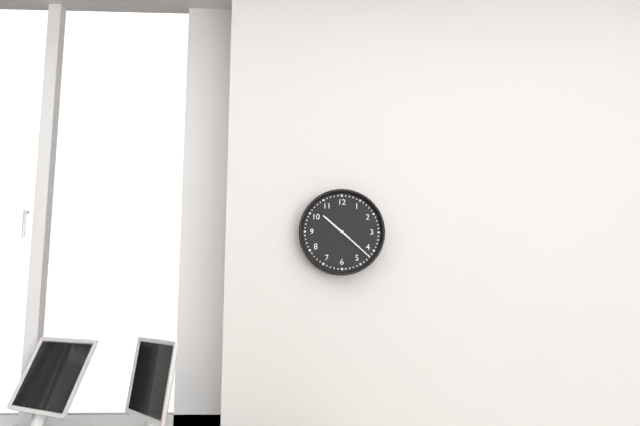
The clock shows 10 h 22 min
